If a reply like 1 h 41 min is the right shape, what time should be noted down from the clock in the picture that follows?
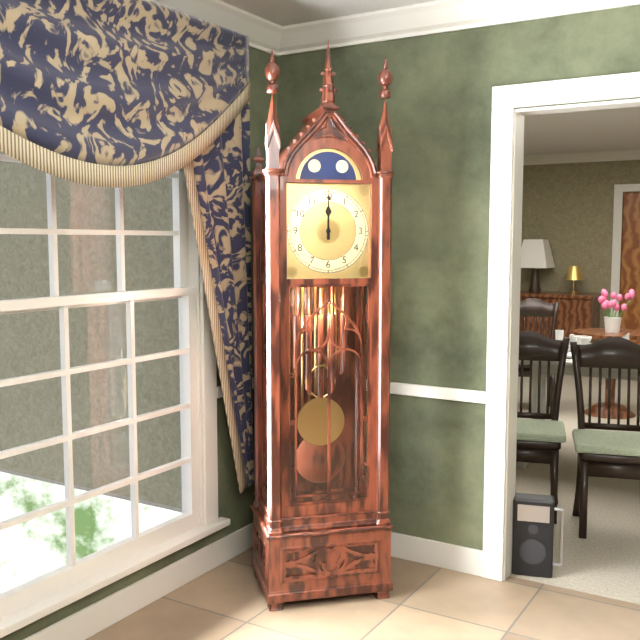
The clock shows 12 h 00 min
